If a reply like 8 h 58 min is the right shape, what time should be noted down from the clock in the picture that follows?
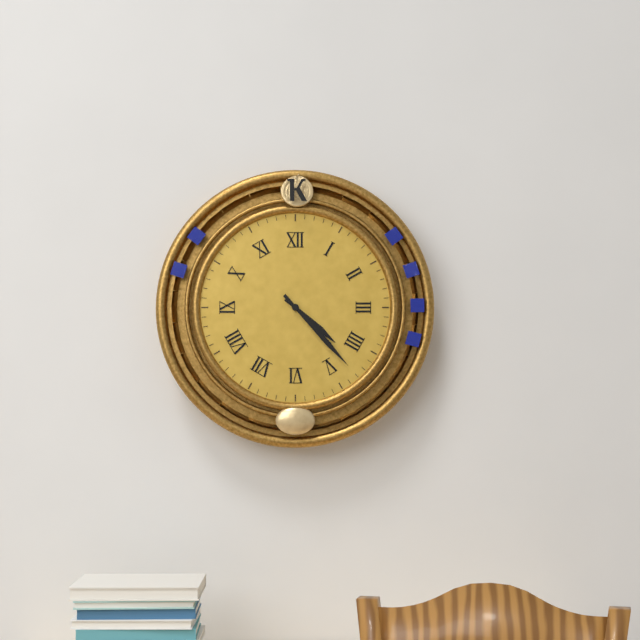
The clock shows 4 h 23 min
